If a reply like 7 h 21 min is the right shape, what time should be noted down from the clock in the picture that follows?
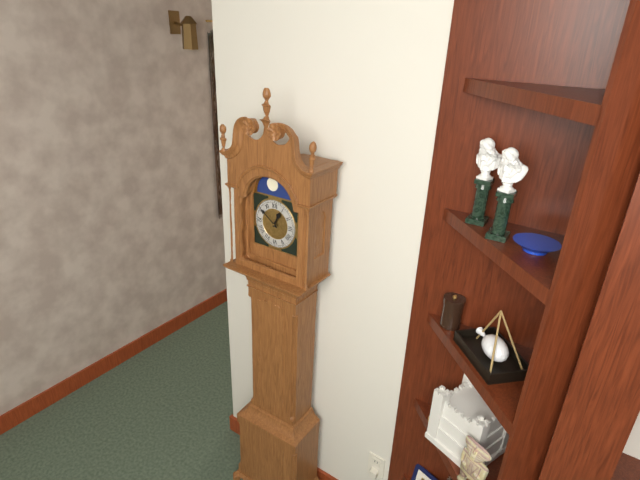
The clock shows 12 h 51 min
